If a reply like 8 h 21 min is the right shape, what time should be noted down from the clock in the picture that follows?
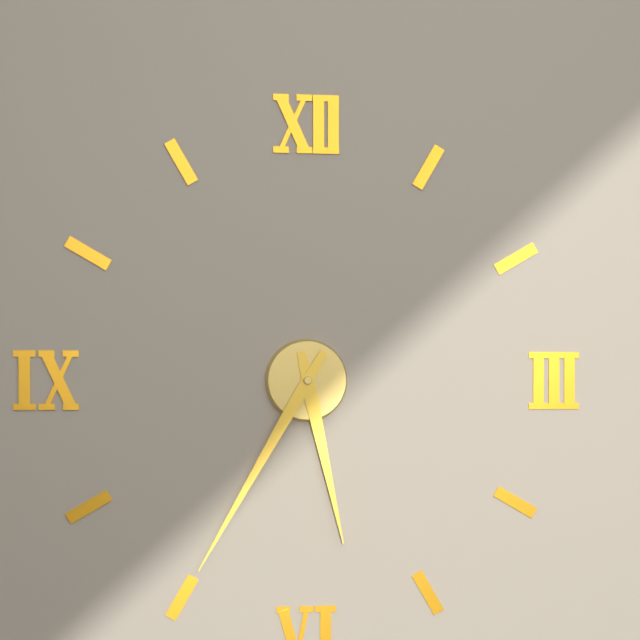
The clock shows 5 h 35 min
